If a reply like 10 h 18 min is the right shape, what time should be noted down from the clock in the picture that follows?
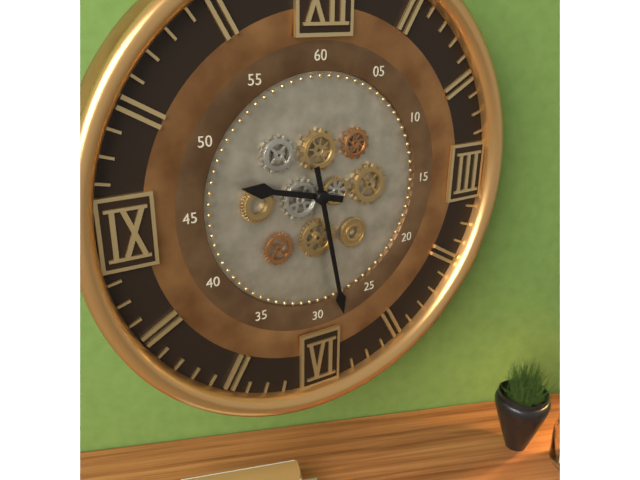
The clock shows 9 h 28 min
